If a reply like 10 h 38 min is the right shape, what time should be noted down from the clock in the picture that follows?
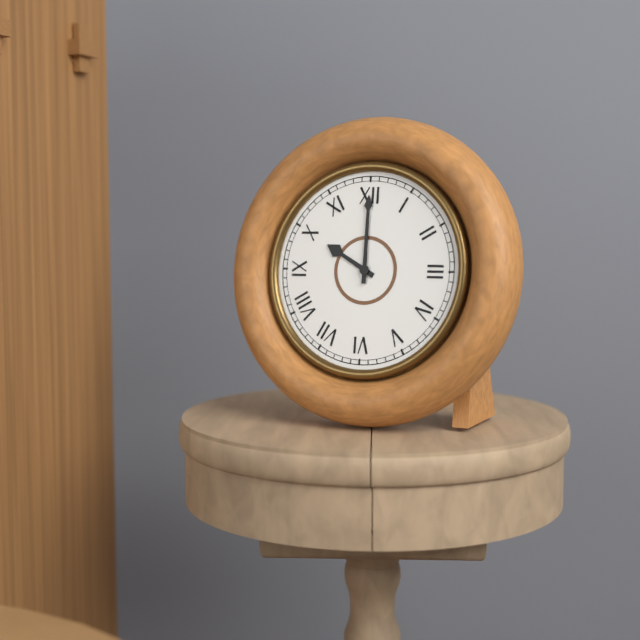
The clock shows 10 h 00 min
